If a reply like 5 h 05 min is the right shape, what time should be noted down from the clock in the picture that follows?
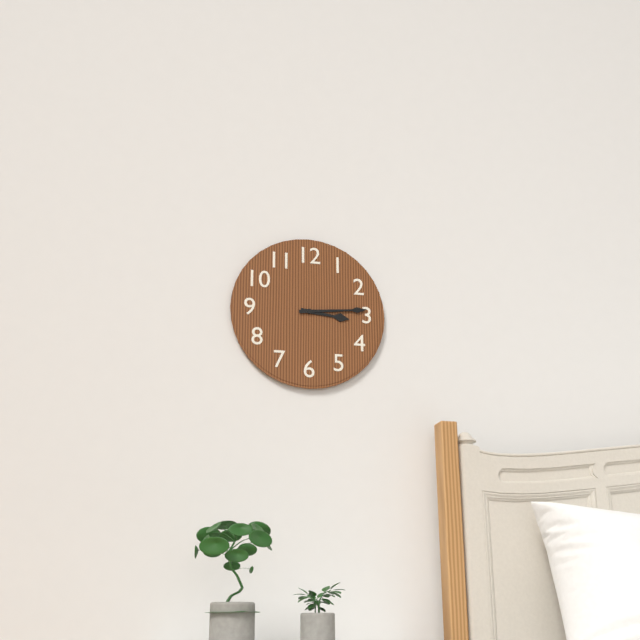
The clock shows 3 h 14 min
